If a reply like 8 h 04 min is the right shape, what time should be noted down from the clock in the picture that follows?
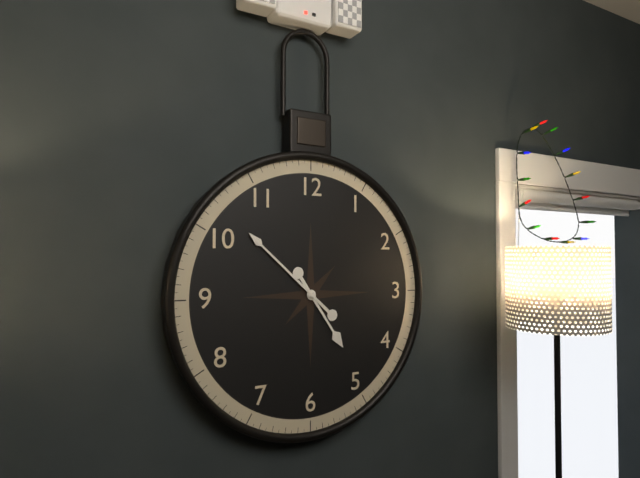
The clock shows 4 h 52 min
